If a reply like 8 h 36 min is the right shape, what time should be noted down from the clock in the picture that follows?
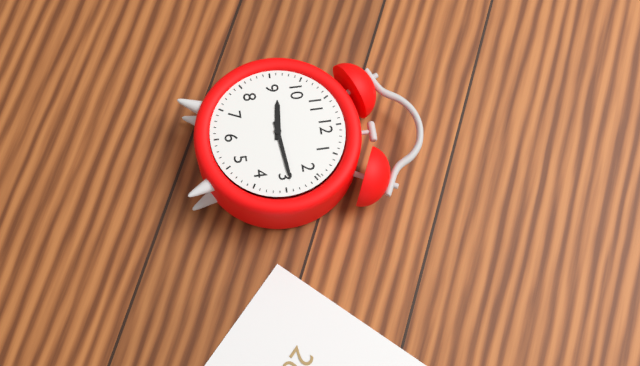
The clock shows 9 h 14 min
